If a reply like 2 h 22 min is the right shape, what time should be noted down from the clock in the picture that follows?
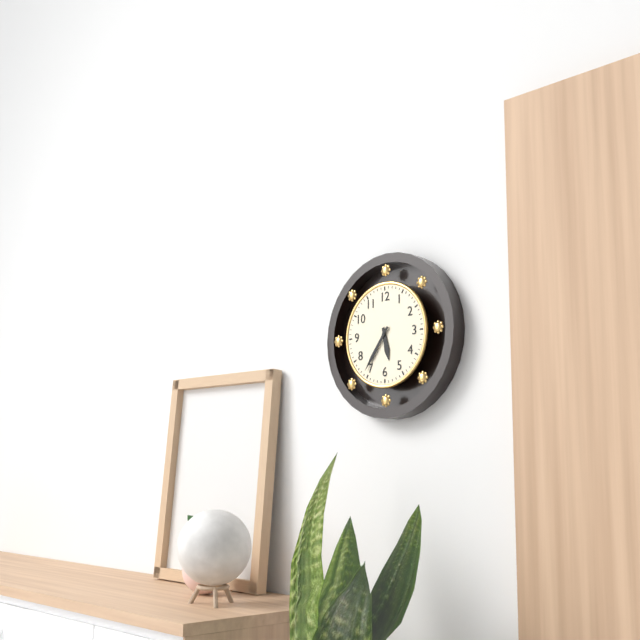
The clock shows 5 h 36 min
